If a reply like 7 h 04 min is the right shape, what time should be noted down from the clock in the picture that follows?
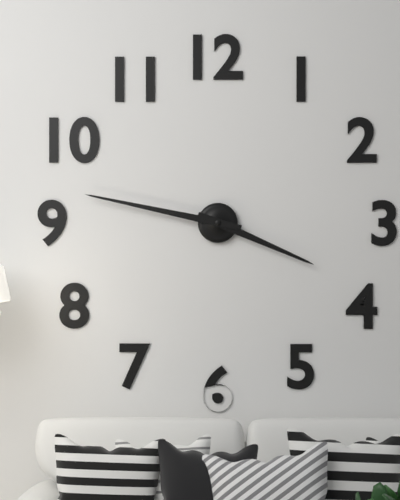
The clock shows 3 h 47 min
